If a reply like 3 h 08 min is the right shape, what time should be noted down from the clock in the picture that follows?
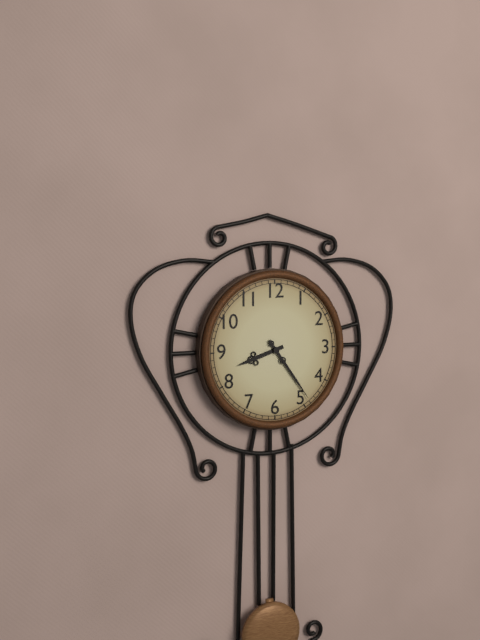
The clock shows 8 h 24 min
